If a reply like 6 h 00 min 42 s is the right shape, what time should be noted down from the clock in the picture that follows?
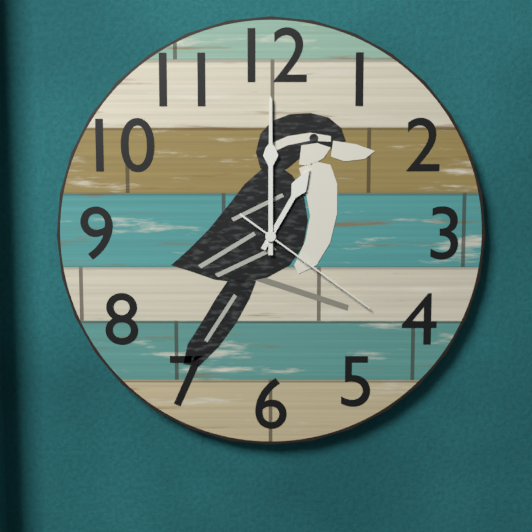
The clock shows 1 h 00 min 21 s
